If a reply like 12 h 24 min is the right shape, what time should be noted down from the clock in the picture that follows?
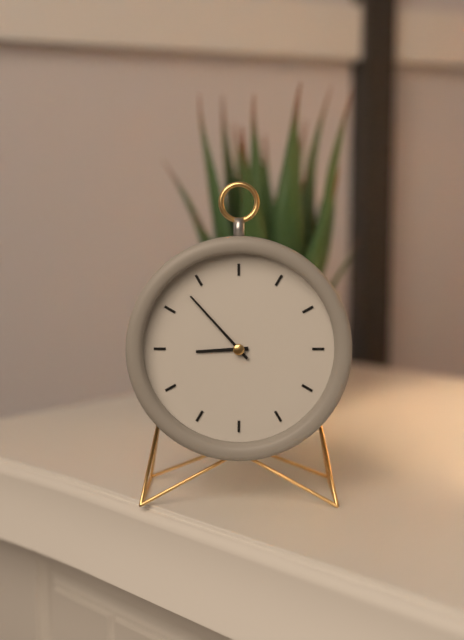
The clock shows 8 h 53 min
